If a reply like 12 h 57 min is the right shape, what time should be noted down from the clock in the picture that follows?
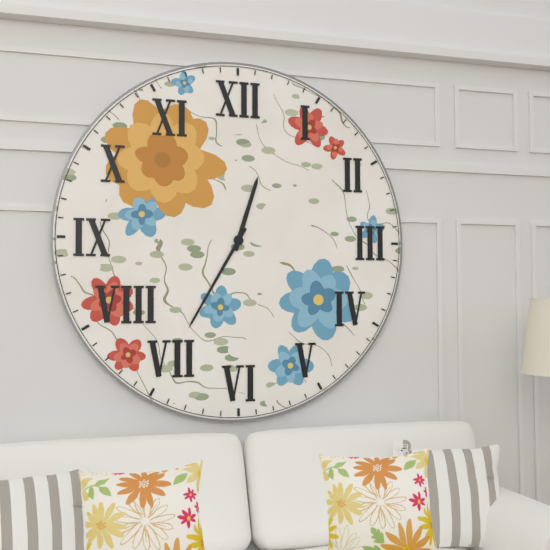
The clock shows 12 h 35 min
